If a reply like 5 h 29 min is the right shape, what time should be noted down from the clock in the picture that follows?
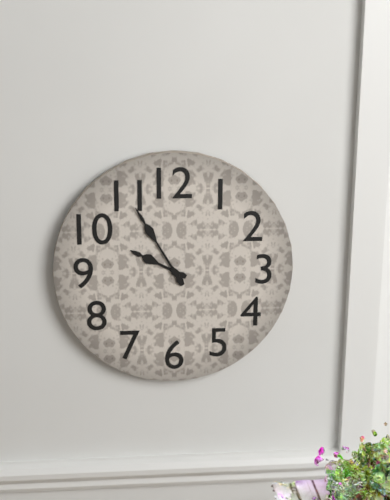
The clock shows 9 h 55 min
